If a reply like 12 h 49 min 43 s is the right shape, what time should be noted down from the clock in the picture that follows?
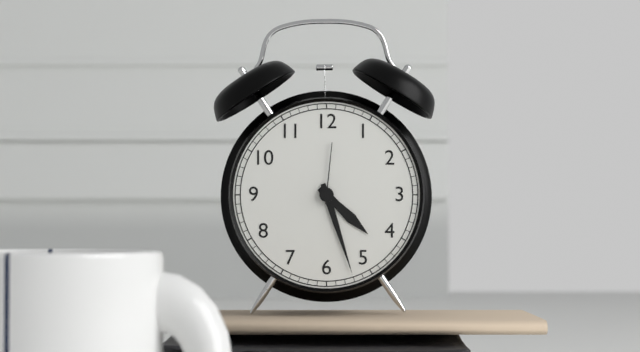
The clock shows 4 h 27 min 01 s
